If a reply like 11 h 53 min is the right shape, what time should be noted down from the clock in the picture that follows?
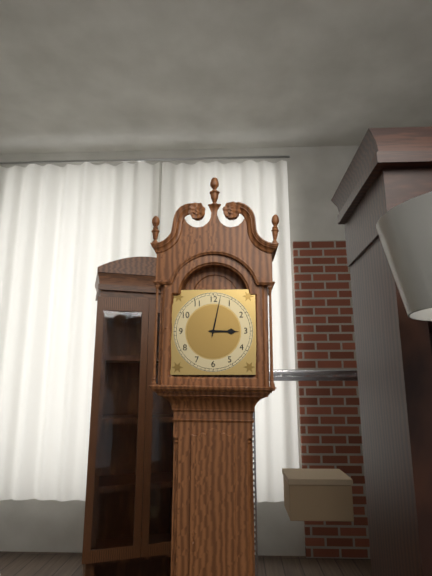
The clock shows 3 h 02 min
